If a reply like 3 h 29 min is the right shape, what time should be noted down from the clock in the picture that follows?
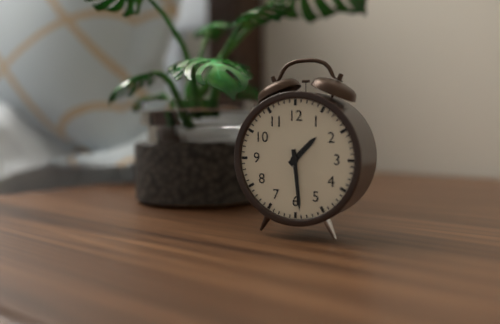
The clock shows 1 h 29 min
